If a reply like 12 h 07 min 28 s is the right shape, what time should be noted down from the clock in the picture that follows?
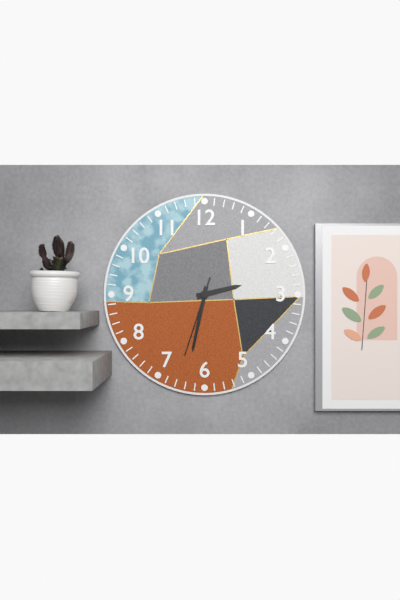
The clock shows 2 h 32 min 33 s
